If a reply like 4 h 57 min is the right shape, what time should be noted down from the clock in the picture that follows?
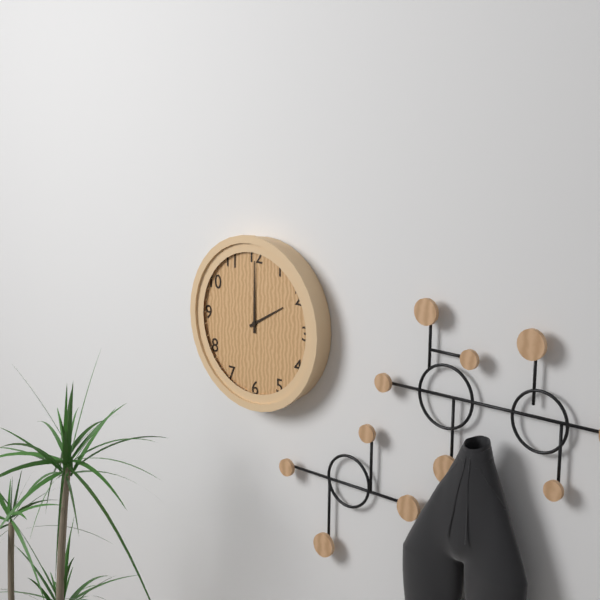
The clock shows 2 h 00 min
